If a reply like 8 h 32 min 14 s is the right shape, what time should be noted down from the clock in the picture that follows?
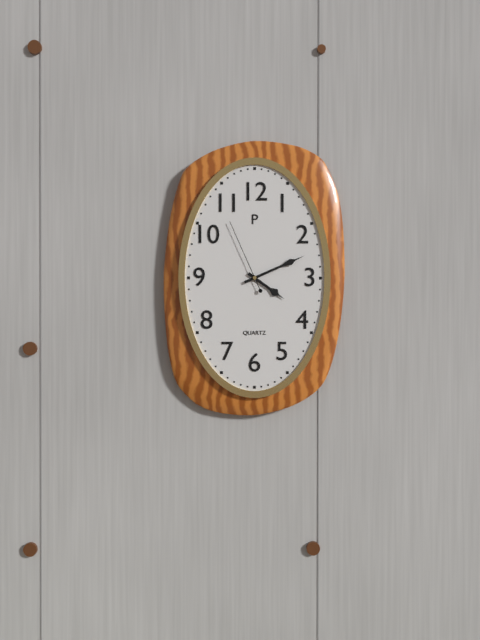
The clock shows 4 h 11 min 56 s
